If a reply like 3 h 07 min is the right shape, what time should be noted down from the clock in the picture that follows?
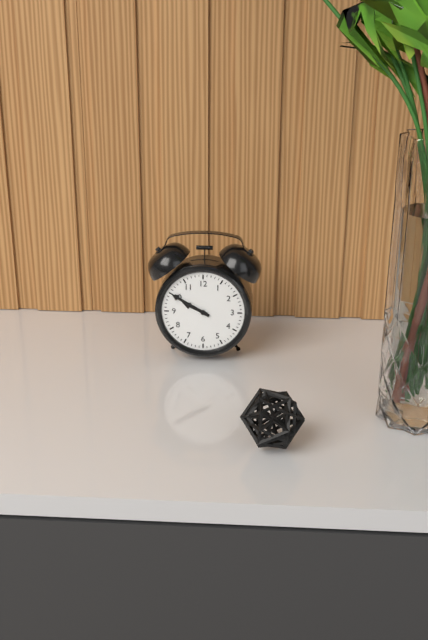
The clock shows 9 h 50 min
